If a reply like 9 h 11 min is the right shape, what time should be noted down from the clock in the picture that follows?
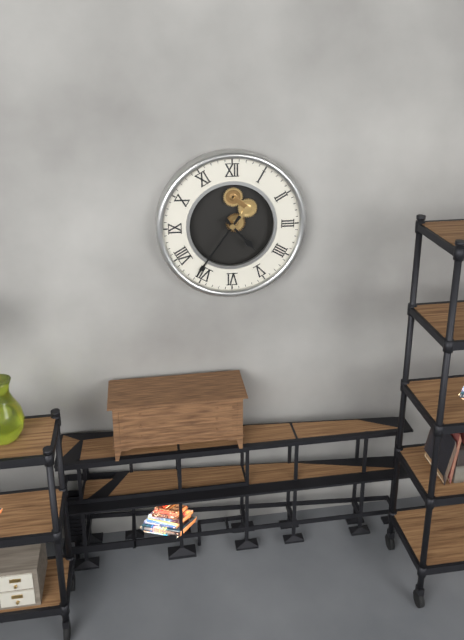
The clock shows 4 h 36 min
